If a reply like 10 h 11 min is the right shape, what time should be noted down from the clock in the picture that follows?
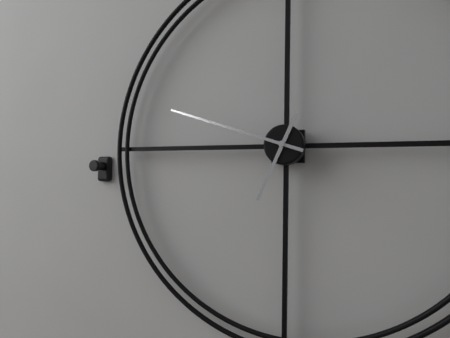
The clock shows 6 h 48 min
